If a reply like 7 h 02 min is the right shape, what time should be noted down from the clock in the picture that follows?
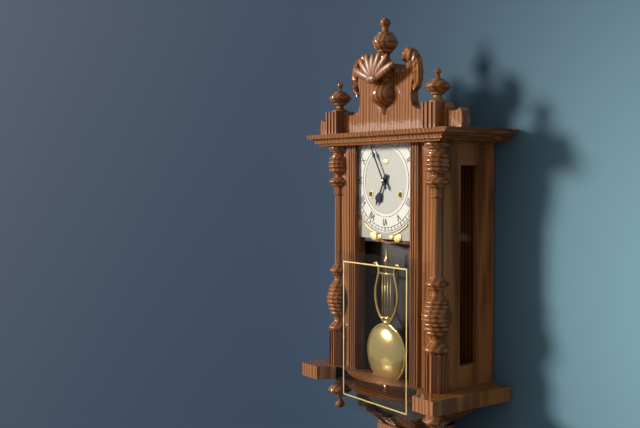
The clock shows 6 h 55 min
